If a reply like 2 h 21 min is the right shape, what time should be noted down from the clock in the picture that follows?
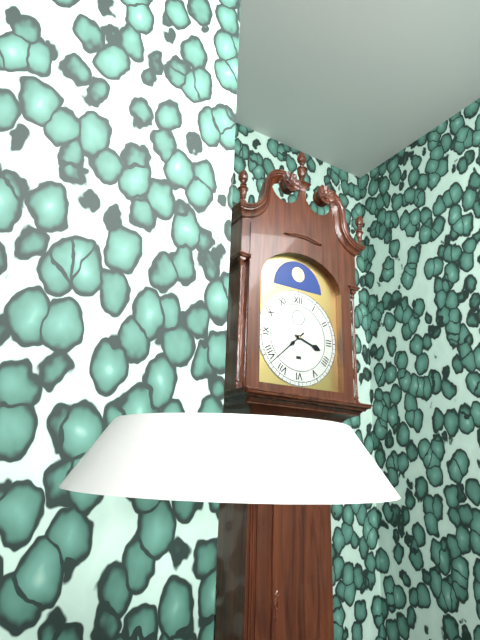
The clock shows 3 h 38 min
